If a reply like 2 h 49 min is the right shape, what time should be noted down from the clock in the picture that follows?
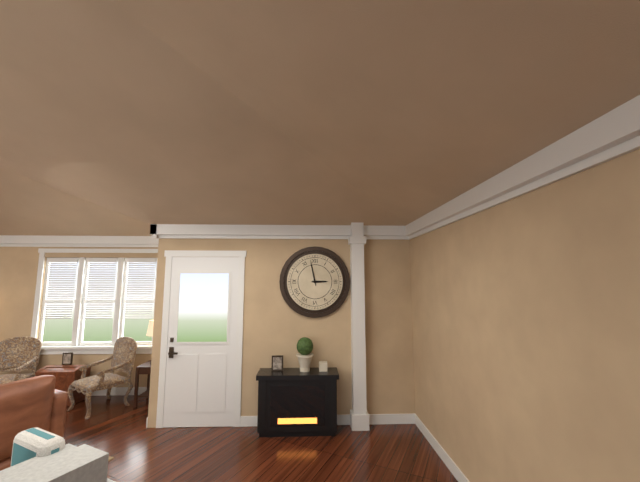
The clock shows 2 h 58 min
